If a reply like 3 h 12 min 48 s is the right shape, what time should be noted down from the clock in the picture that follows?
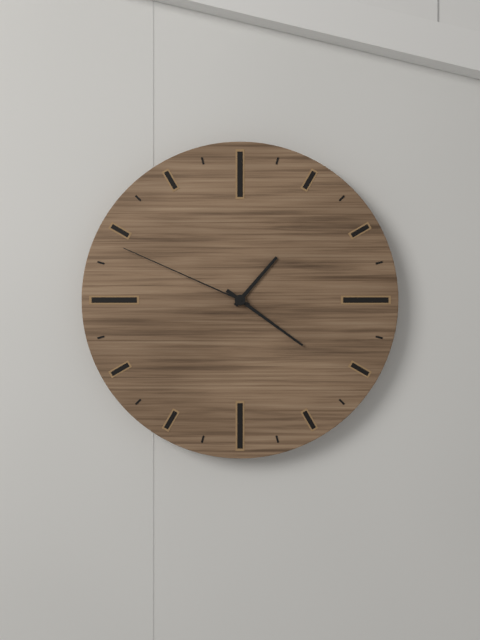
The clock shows 1 h 21 min 49 s
